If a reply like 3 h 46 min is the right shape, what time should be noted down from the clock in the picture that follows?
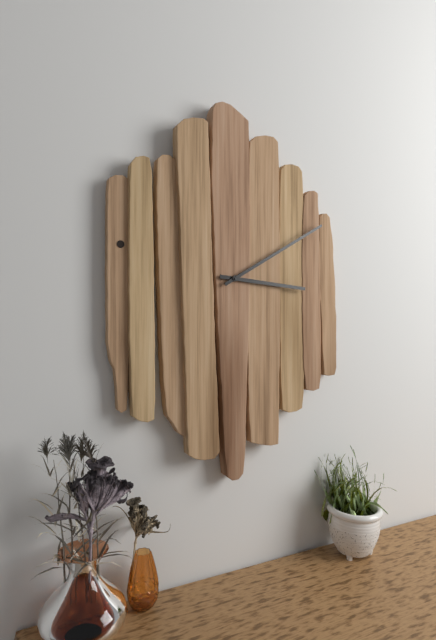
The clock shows 3 h 10 min
